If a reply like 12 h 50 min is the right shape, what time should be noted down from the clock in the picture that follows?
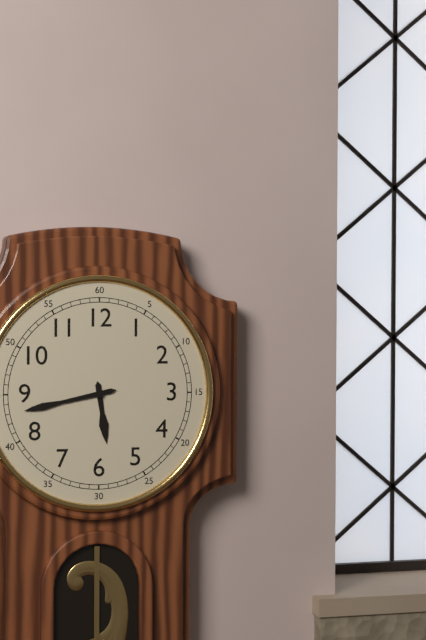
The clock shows 5 h 43 min
